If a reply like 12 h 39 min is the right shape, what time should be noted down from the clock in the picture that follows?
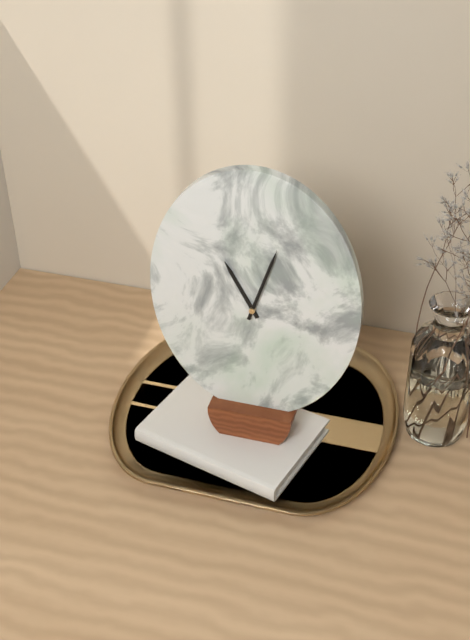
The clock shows 11 h 03 min
